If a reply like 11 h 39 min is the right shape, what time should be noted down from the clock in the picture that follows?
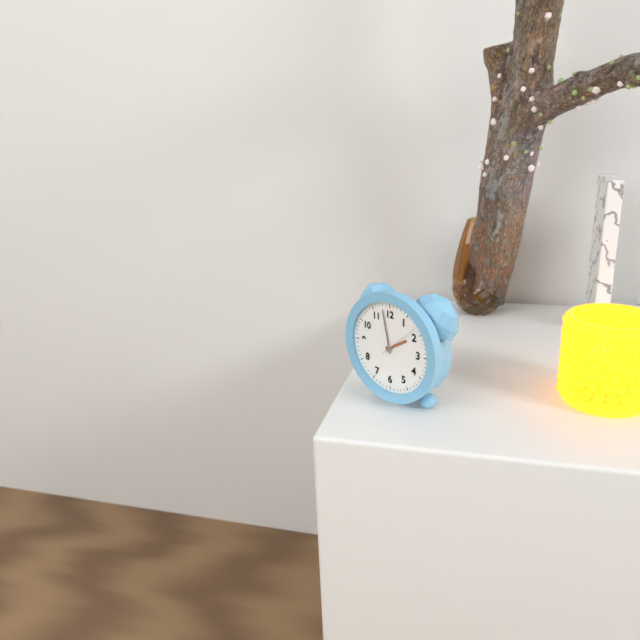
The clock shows 1 h 58 min
